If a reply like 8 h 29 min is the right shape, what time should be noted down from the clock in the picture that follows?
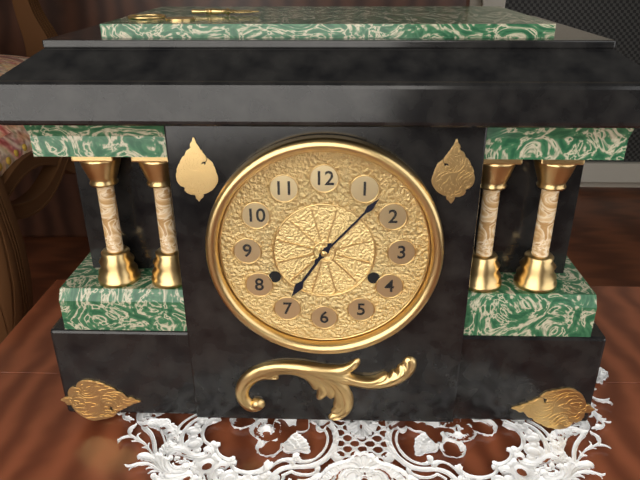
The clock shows 7 h 07 min
